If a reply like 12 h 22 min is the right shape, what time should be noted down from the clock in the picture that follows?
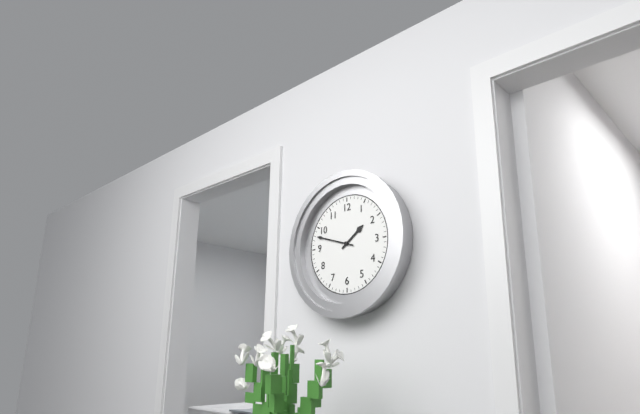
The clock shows 1 h 48 min
